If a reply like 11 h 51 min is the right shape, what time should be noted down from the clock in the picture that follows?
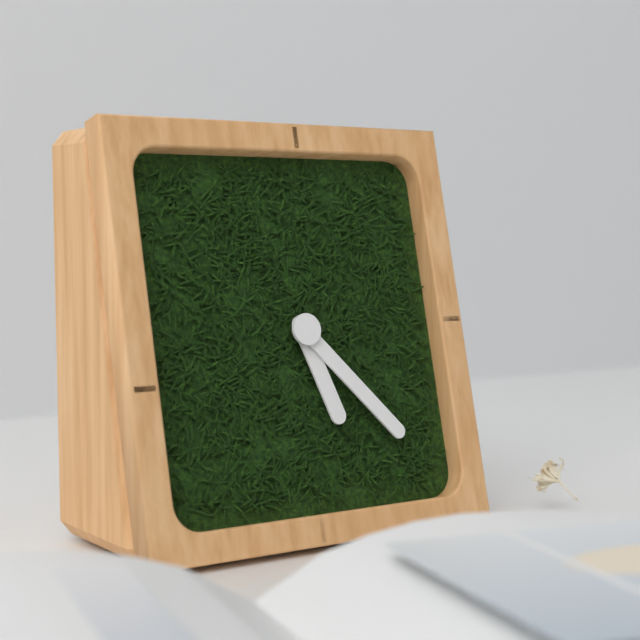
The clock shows 5 h 23 min
